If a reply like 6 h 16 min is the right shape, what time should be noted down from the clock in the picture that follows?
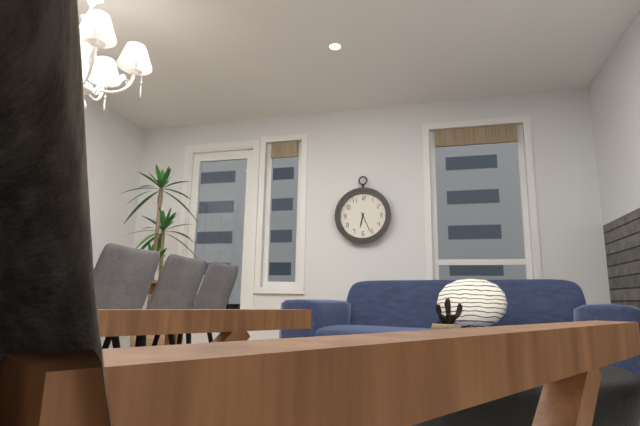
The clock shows 6 h 26 min
